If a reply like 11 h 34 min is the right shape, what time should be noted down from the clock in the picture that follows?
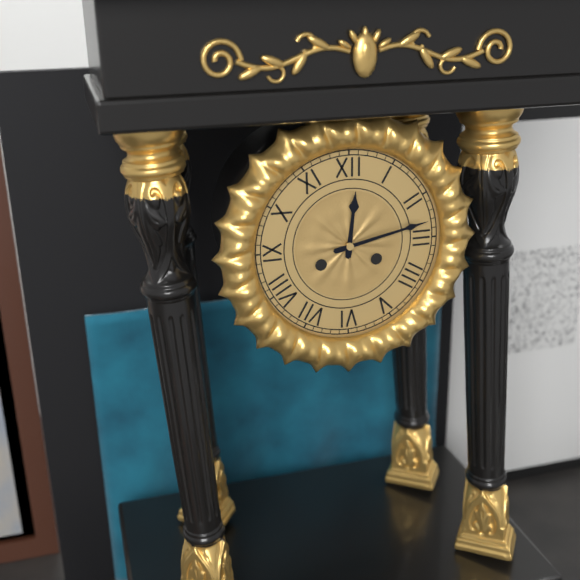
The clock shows 12 h 13 min
